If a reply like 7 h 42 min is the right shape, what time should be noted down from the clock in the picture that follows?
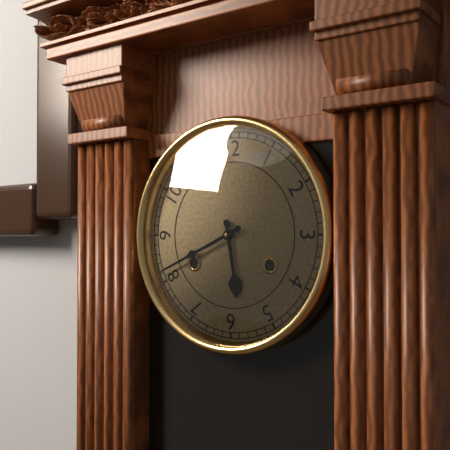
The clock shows 5 h 41 min
